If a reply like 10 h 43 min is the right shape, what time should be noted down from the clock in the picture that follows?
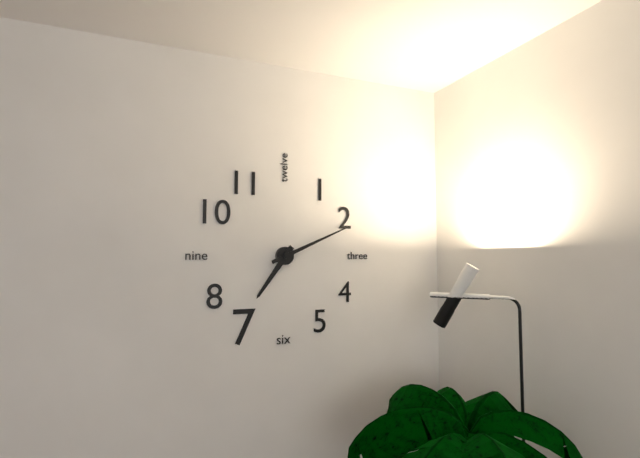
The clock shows 7 h 11 min
